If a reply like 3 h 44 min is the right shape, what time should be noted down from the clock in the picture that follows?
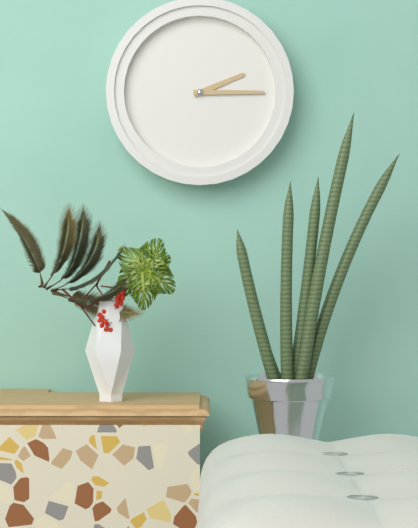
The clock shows 2 h 15 min
